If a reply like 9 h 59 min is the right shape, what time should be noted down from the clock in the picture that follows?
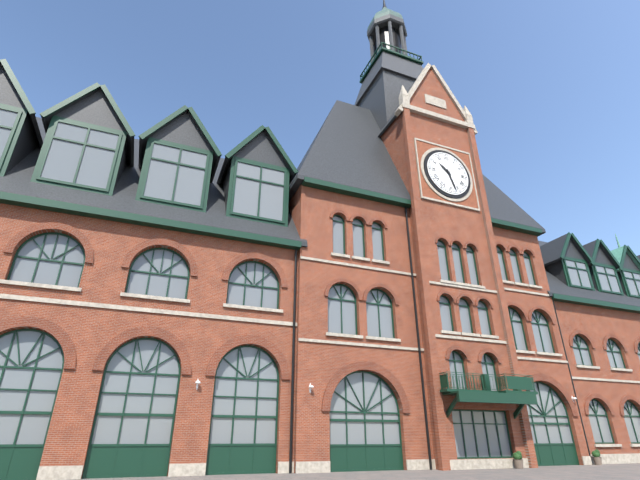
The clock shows 10 h 27 min
